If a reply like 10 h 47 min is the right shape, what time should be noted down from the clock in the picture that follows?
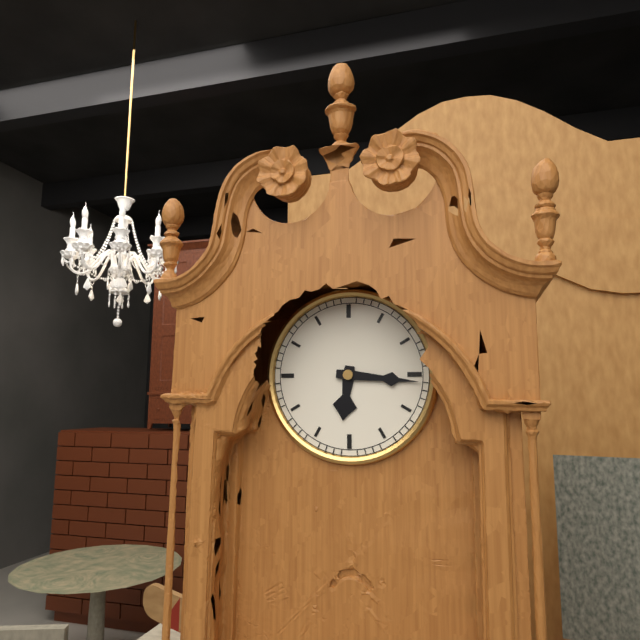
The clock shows 6 h 16 min
